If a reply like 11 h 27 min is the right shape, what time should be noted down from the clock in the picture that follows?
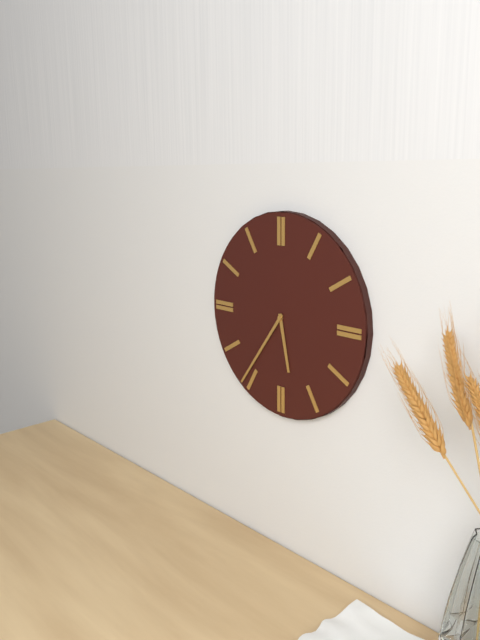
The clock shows 5 h 36 min
